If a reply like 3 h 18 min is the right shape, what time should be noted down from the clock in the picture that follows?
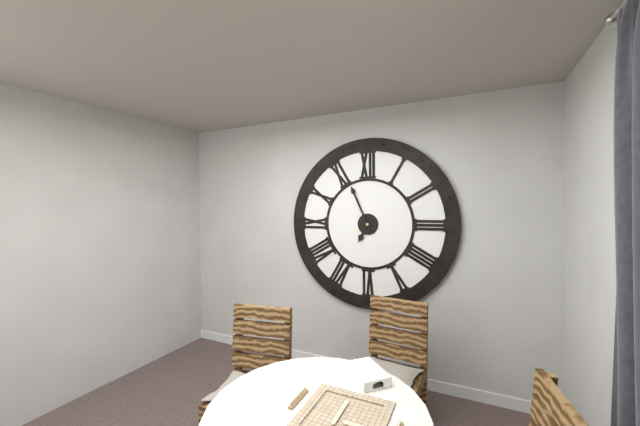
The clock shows 6 h 56 min
